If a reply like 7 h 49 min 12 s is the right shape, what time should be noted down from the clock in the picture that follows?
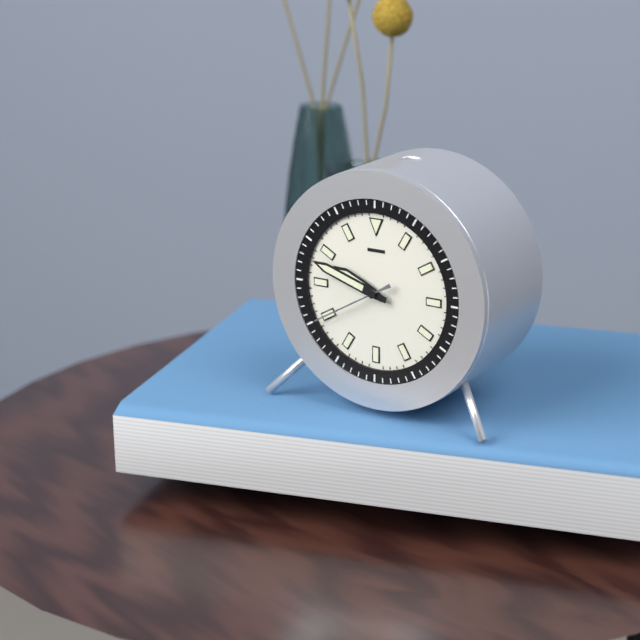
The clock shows 9 h 48 min 40 s
